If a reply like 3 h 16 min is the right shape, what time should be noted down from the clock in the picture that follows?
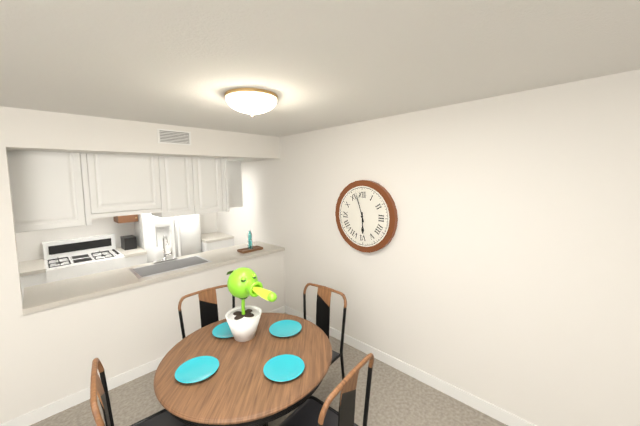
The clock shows 5 h 57 min
